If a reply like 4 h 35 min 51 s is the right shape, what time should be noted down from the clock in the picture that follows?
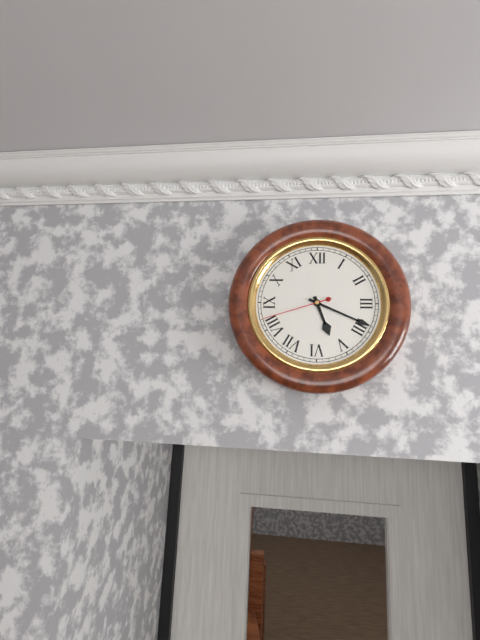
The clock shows 5 h 19 min 42 s
